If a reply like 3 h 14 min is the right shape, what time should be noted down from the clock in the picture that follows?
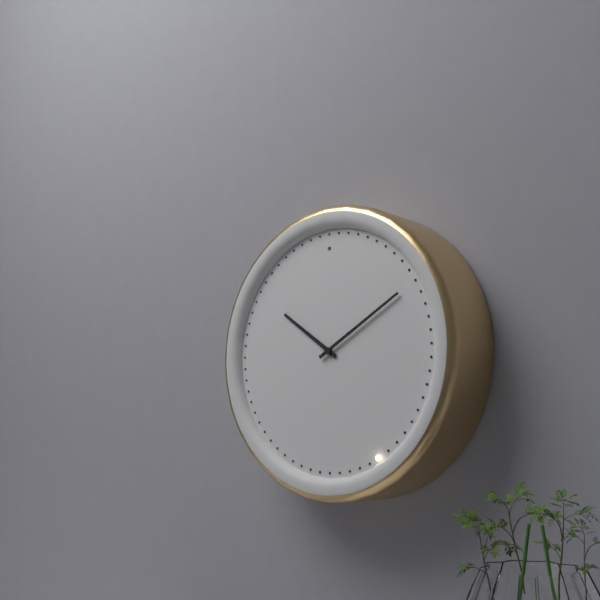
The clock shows 10 h 10 min
